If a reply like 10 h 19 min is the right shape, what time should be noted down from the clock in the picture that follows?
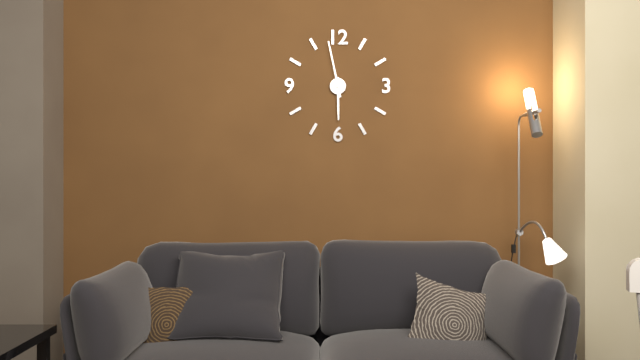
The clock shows 5 h 58 min
